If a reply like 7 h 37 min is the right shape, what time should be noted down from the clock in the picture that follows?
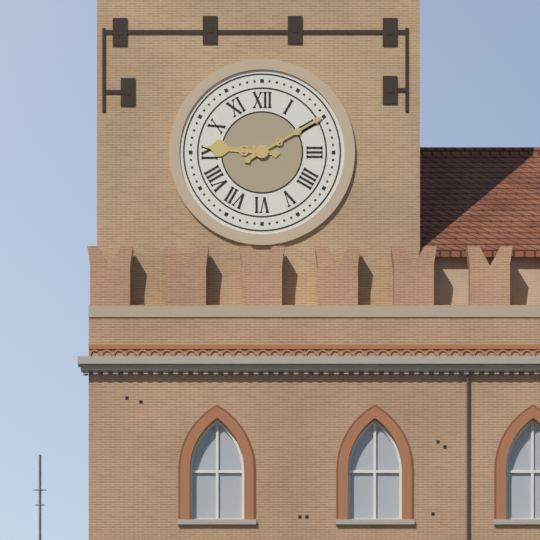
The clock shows 9 h 10 min
